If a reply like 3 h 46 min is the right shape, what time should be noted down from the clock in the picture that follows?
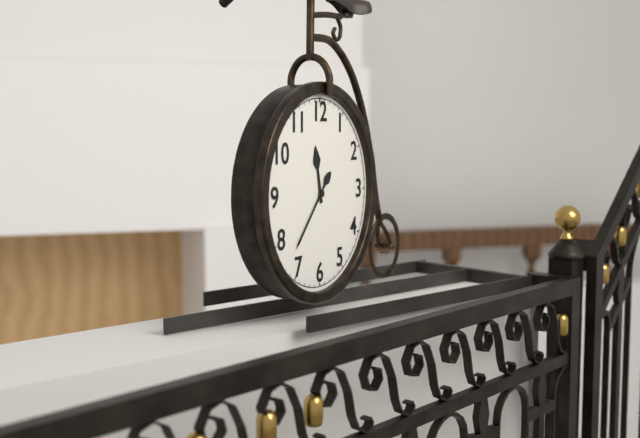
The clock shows 11 h 37 min
